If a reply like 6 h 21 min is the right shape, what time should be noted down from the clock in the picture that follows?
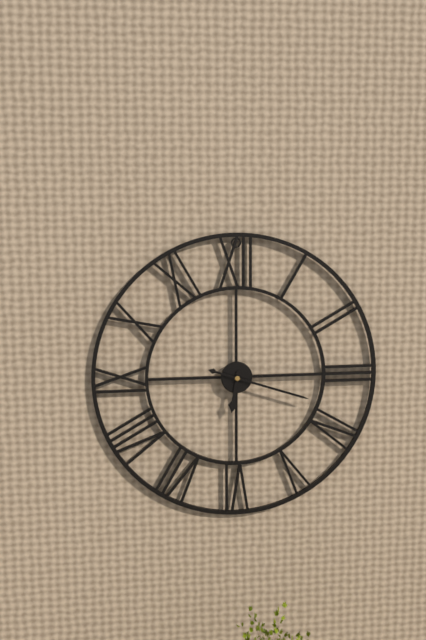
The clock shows 6 h 18 min
